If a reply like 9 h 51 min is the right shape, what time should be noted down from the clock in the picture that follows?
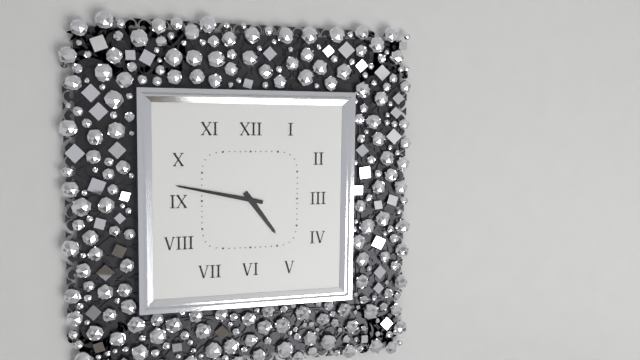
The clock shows 4 h 47 min
